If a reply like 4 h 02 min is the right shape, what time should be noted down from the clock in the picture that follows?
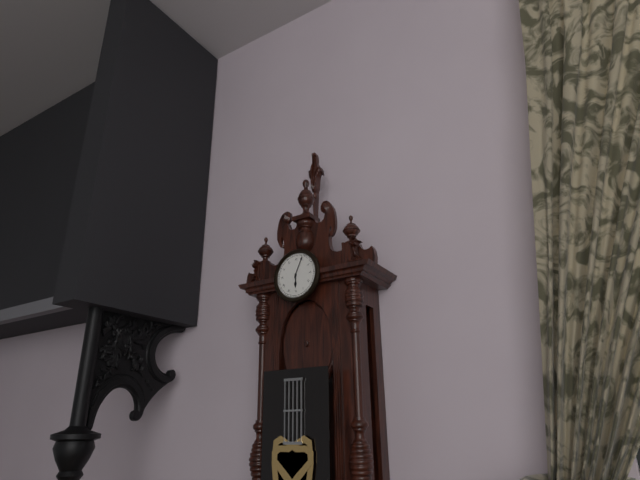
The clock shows 6 h 04 min
